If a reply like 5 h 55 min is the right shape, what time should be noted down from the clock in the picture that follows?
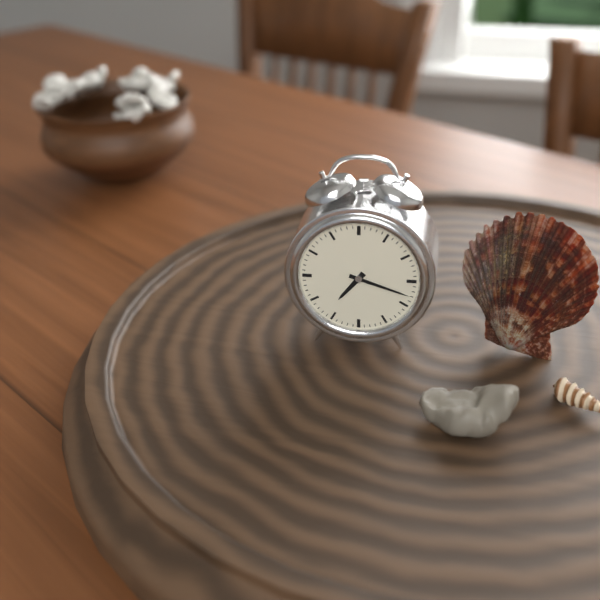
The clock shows 7 h 18 min
